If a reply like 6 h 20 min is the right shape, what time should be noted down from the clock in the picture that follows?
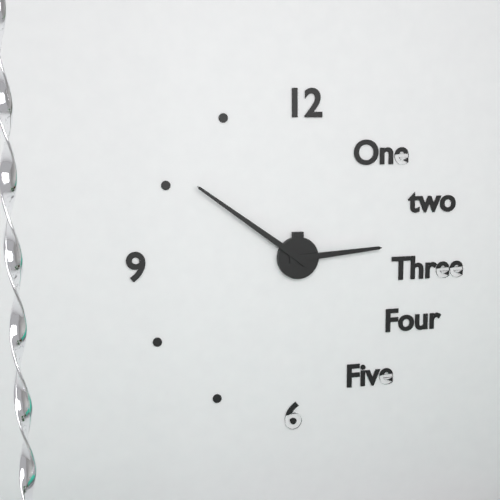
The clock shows 2 h 51 min
